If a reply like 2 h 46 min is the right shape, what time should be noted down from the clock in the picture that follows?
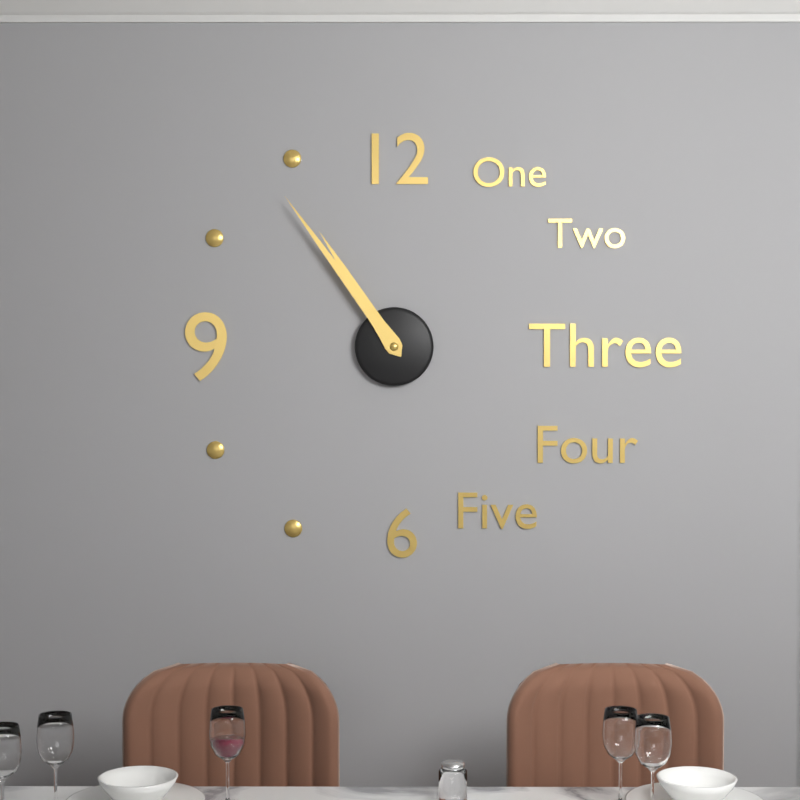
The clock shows 10 h 54 min
